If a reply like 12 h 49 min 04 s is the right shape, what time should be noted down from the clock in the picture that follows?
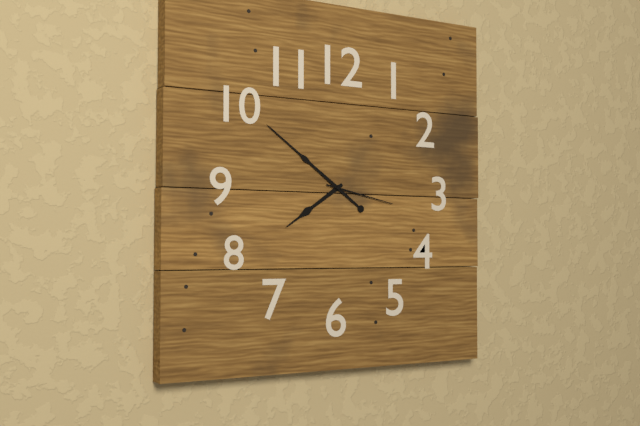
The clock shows 7 h 51 min 17 s
